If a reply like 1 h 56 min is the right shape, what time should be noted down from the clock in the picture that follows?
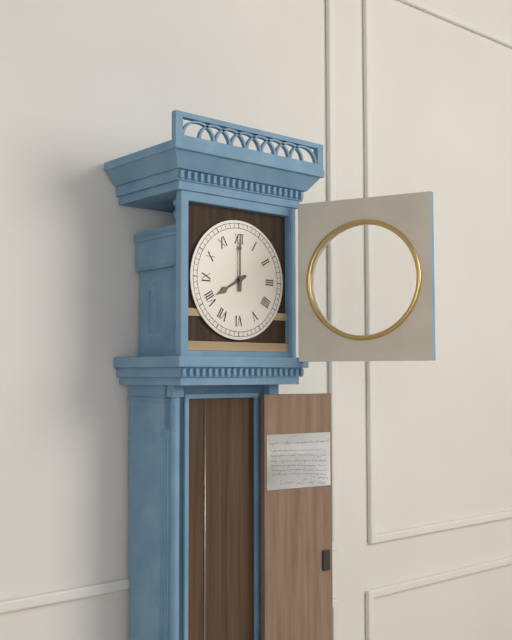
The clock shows 8 h 00 min
